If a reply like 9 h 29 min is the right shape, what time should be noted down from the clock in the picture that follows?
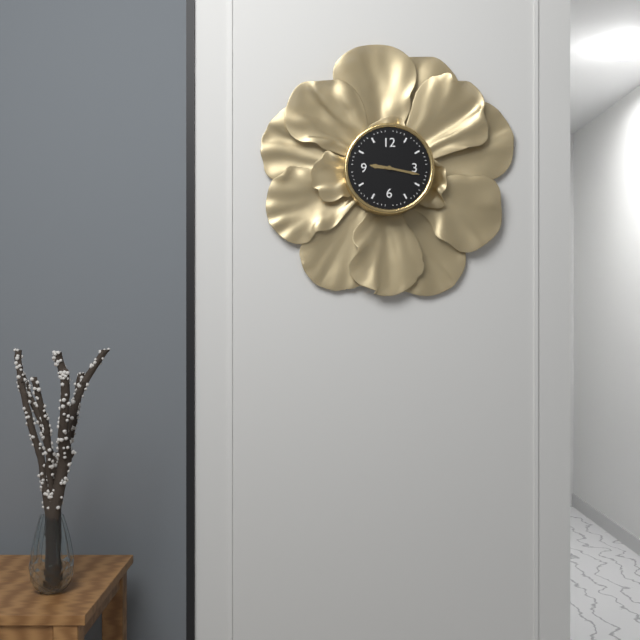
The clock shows 9 h 17 min
